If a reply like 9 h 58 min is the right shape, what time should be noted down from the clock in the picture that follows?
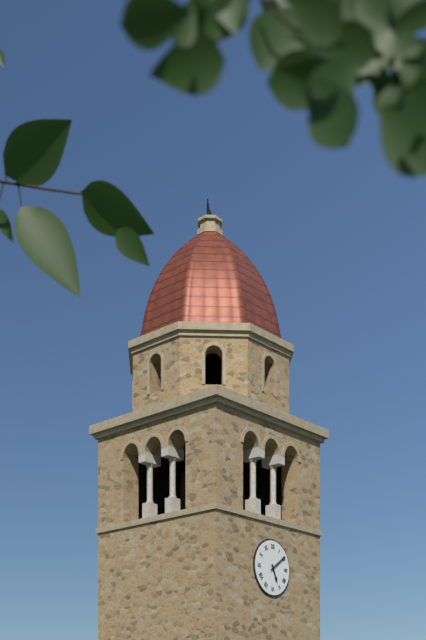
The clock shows 5 h 09 min
